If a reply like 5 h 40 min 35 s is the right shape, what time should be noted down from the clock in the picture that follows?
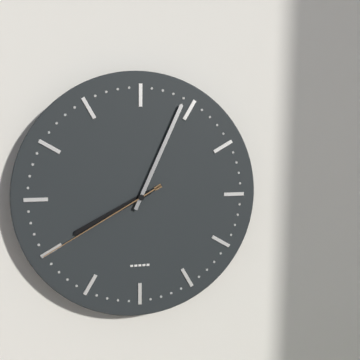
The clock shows 8 h 04 min 40 s
